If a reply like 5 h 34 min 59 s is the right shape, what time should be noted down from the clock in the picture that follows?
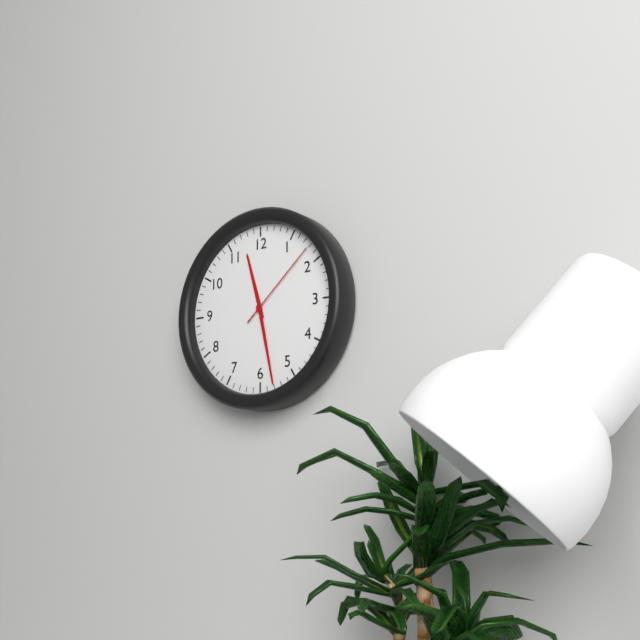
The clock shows 11 h 28 min 08 s
